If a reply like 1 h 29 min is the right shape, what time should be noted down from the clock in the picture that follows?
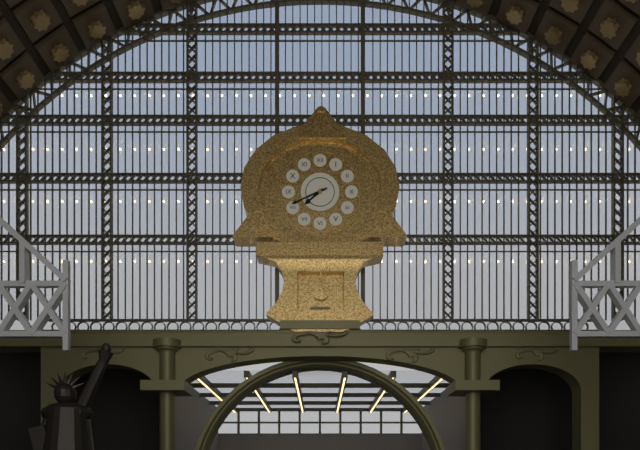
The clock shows 7 h 41 min
